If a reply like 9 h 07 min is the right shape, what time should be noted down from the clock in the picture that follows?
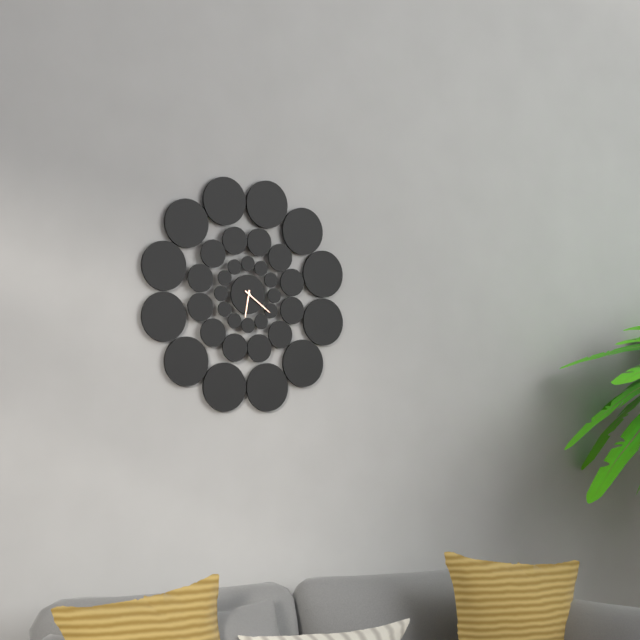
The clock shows 6 h 21 min
